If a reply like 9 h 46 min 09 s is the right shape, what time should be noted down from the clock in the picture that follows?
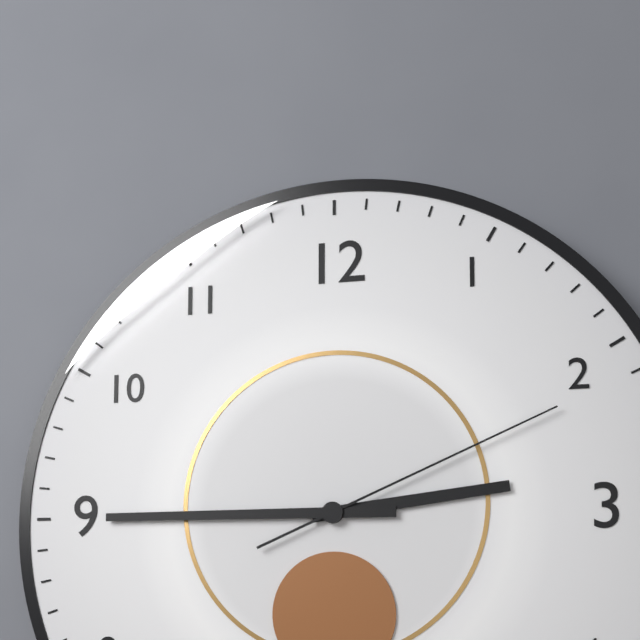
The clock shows 2 h 45 min 11 s
